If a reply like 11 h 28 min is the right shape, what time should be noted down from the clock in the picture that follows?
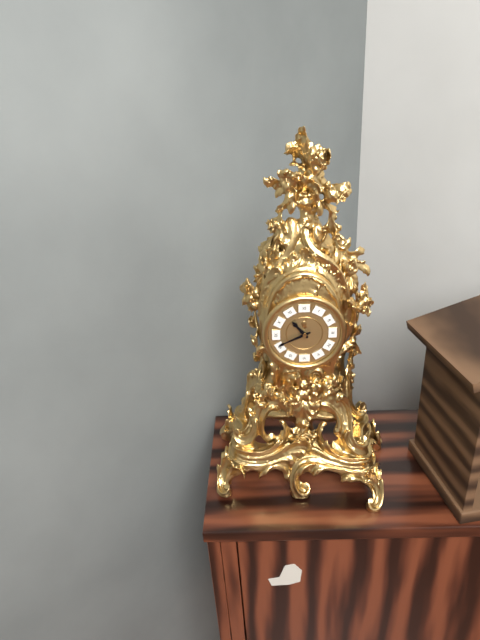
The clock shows 10 h 41 min
